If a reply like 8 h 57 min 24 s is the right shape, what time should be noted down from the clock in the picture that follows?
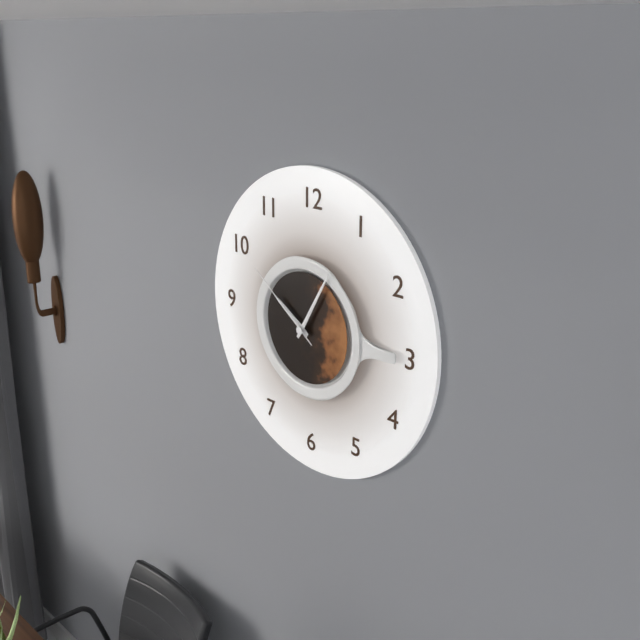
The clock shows 10 h 05 min 51 s
